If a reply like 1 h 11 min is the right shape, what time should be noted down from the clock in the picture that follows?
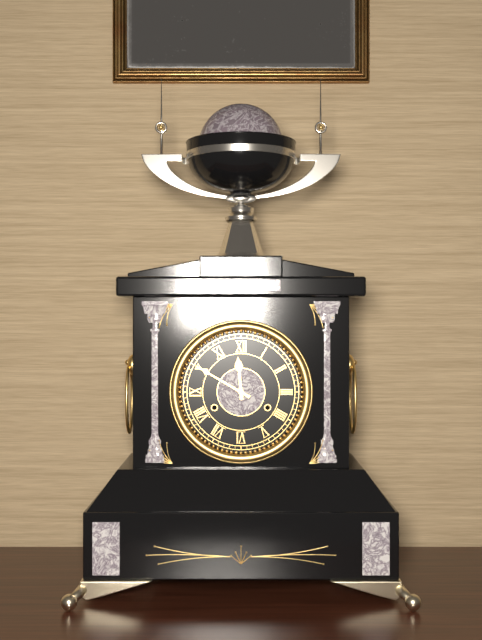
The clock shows 11 h 50 min
